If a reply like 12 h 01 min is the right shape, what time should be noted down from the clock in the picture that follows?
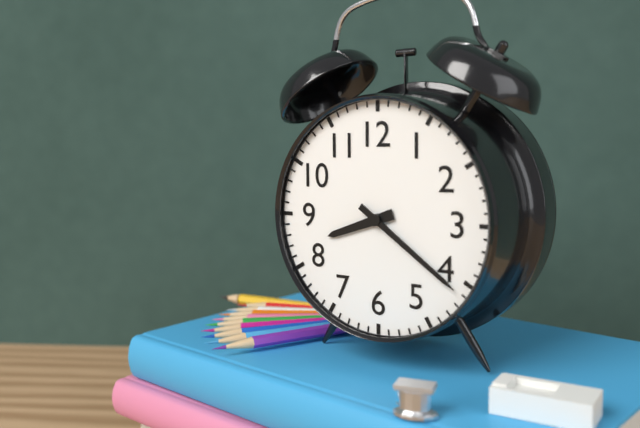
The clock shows 8 h 21 min
